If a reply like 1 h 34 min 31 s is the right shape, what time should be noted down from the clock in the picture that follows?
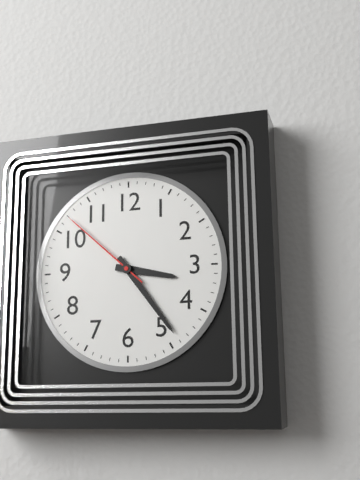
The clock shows 3 h 24 min 52 s
